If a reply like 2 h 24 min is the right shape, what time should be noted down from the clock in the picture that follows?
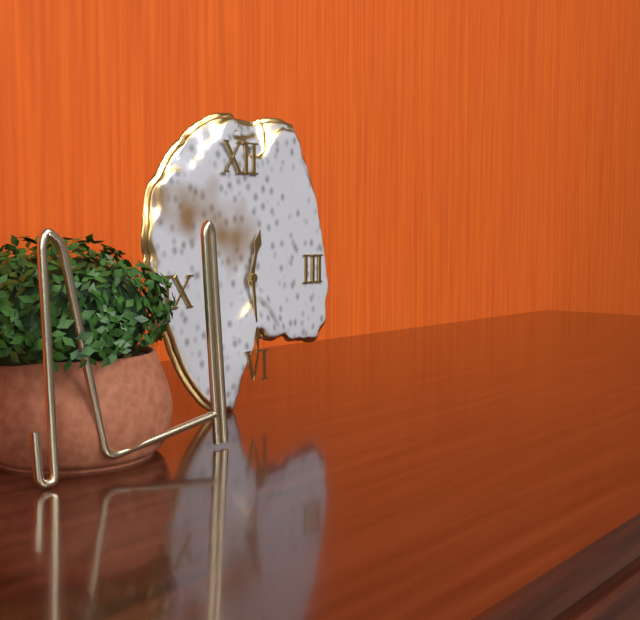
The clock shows 12 h 29 min
